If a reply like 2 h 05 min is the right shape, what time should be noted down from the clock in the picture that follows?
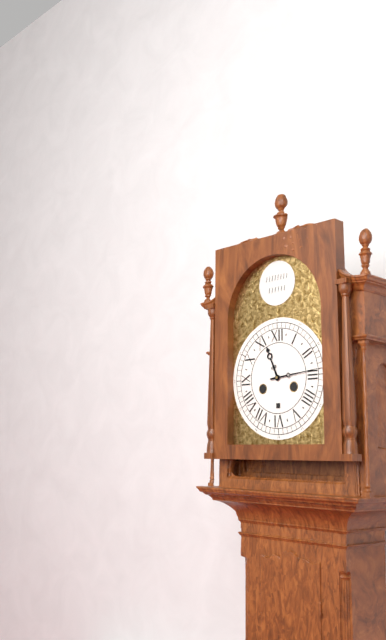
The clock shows 11 h 14 min
